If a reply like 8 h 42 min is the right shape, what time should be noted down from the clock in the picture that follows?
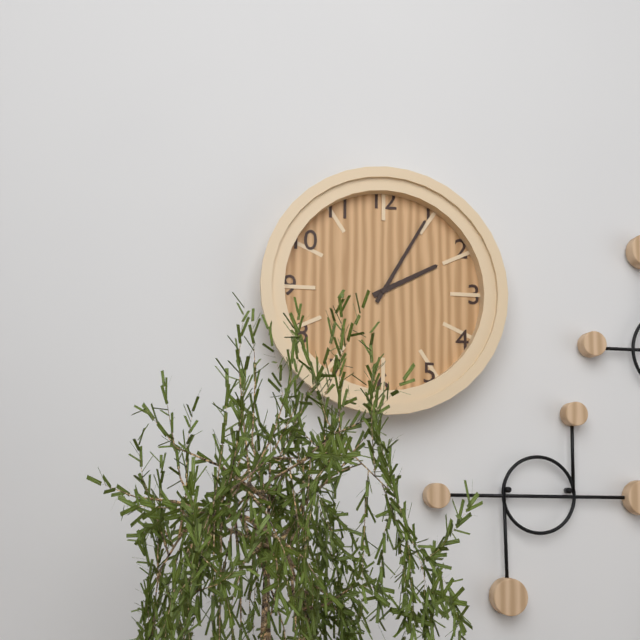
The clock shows 2 h 05 min
